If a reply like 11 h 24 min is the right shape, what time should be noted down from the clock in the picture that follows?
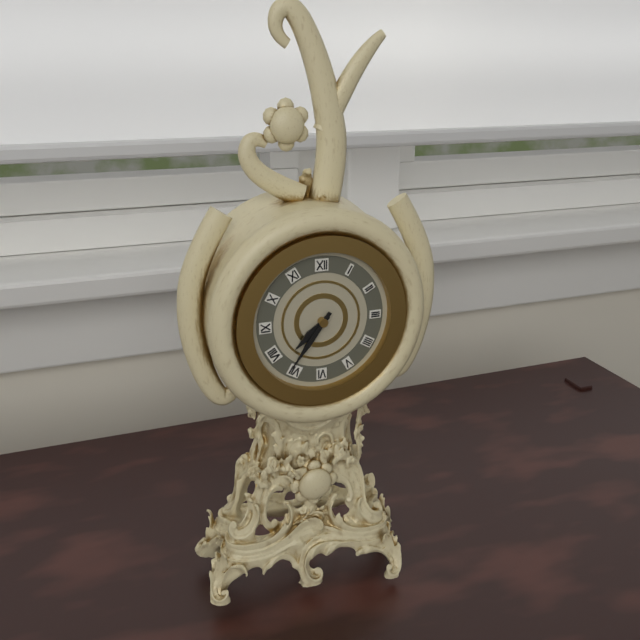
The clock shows 7 h 36 min
